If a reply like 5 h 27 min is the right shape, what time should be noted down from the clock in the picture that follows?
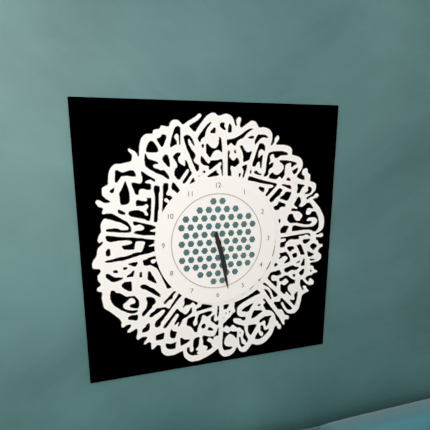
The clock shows 5 h 28 min
